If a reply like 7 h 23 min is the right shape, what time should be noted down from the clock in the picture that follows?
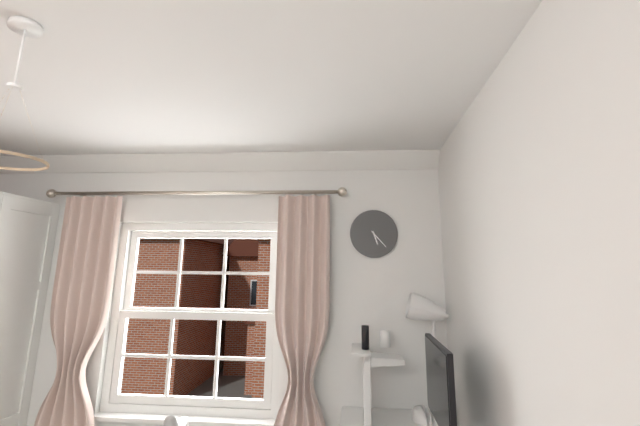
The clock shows 5 h 23 min
